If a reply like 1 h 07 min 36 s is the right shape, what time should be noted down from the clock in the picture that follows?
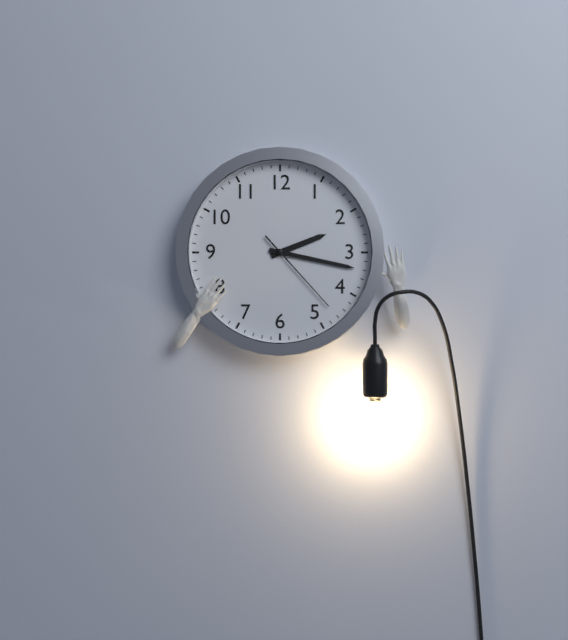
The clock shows 2 h 17 min 23 s
